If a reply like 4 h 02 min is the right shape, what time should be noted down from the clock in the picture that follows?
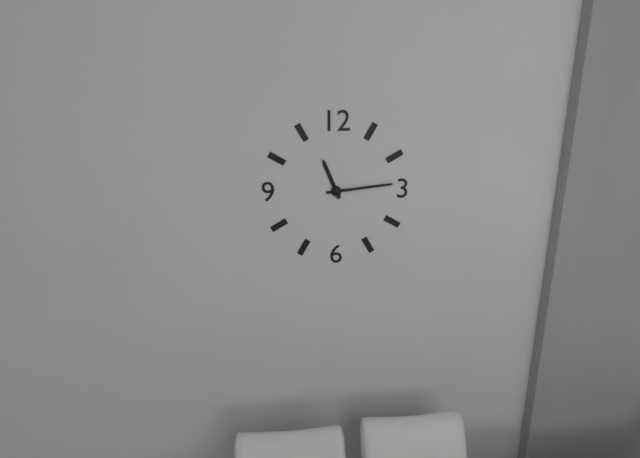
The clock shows 11 h 14 min
